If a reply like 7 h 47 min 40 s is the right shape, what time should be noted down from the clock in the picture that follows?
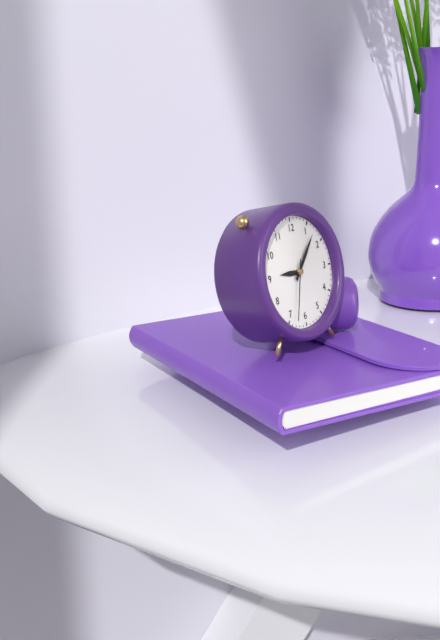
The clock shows 9 h 07 min 33 s
